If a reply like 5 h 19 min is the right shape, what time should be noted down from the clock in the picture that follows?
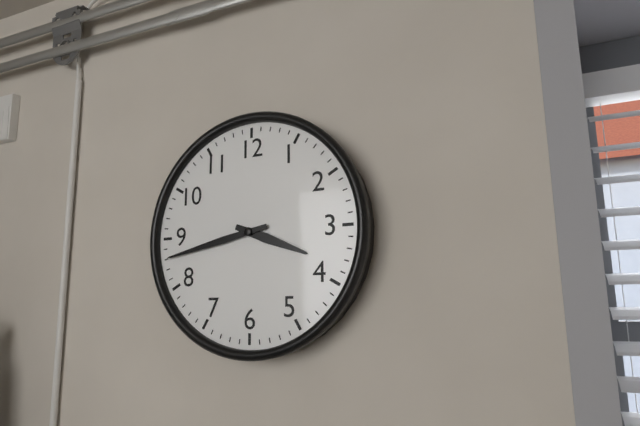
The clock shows 3 h 43 min
